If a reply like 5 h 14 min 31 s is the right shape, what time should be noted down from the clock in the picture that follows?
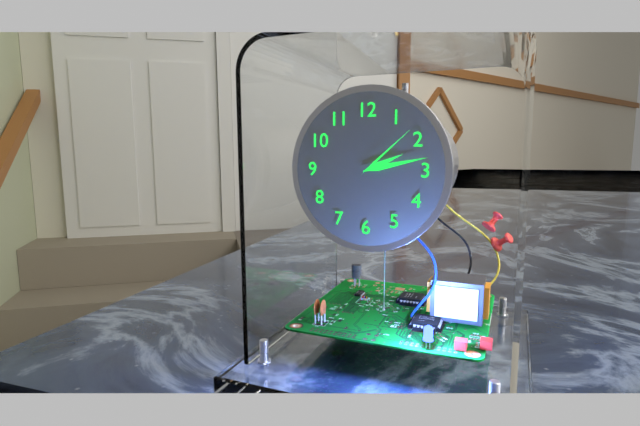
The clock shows 2 h 13 min 08 s
